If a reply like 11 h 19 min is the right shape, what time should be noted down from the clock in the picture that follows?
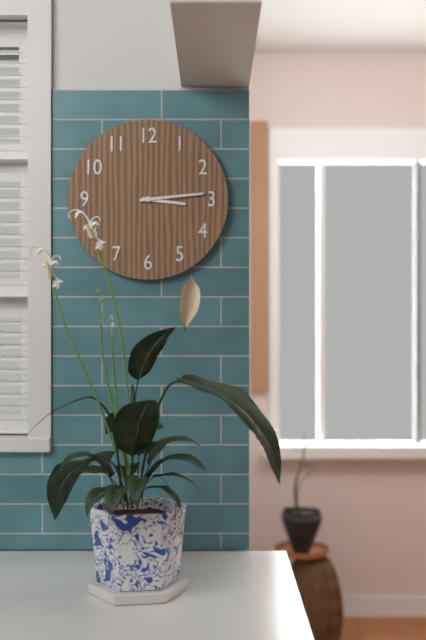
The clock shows 3 h 14 min
